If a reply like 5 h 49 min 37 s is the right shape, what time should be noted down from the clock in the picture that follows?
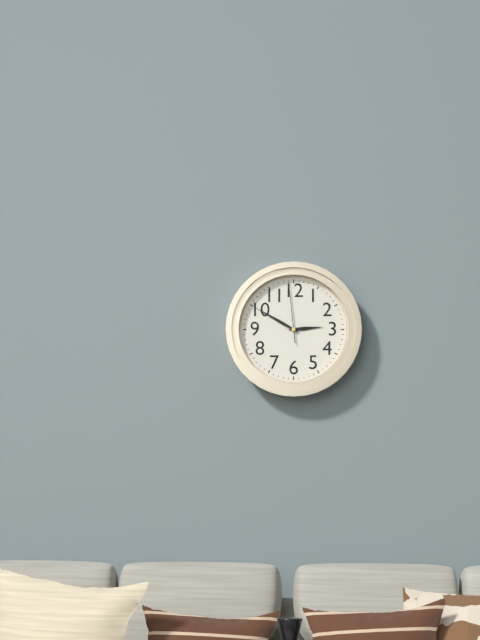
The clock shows 2 h 50 min 59 s
